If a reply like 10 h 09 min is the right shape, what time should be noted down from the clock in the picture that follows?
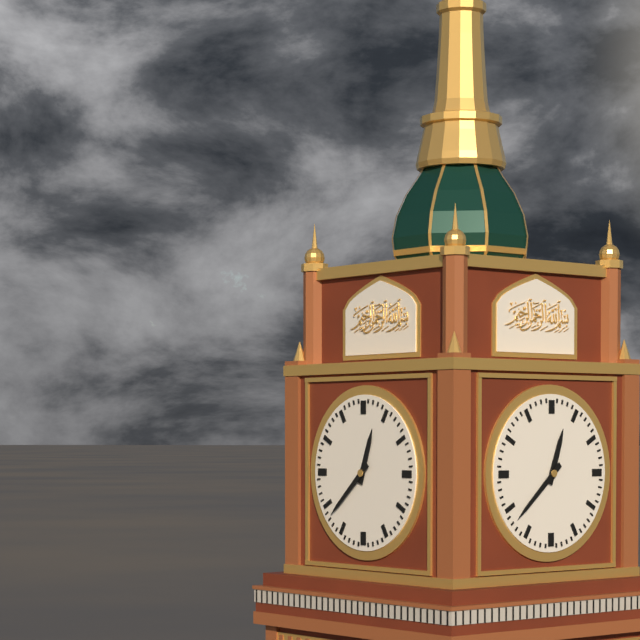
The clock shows 12 h 38 min
